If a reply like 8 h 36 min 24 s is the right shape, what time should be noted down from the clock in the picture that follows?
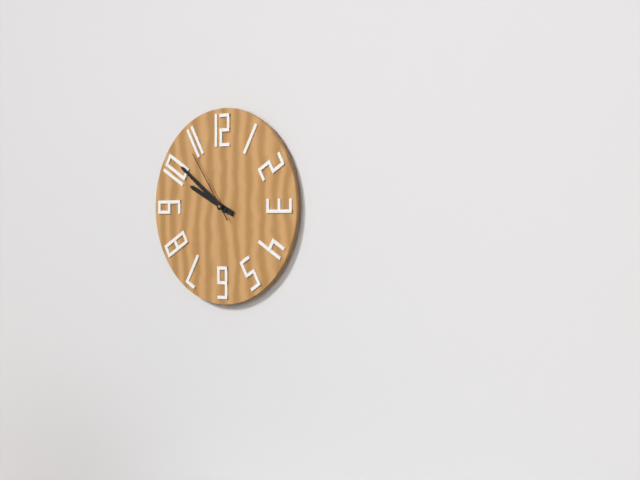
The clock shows 9 h 51 min 54 s
